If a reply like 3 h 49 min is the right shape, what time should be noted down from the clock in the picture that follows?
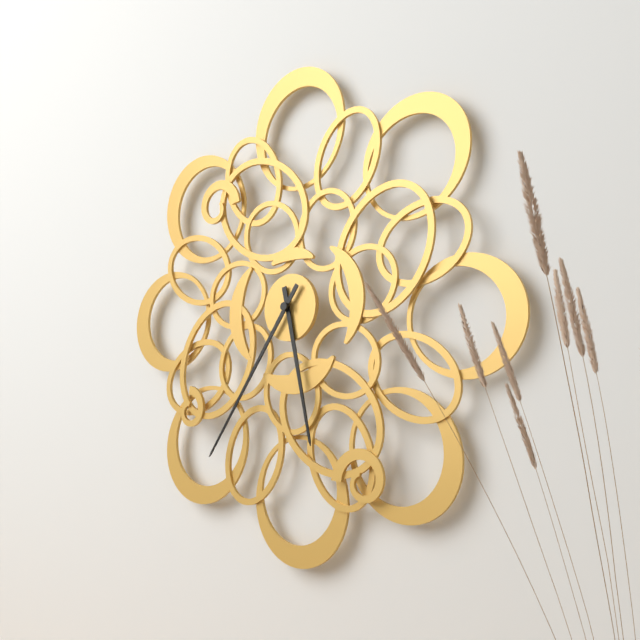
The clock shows 5 h 36 min
